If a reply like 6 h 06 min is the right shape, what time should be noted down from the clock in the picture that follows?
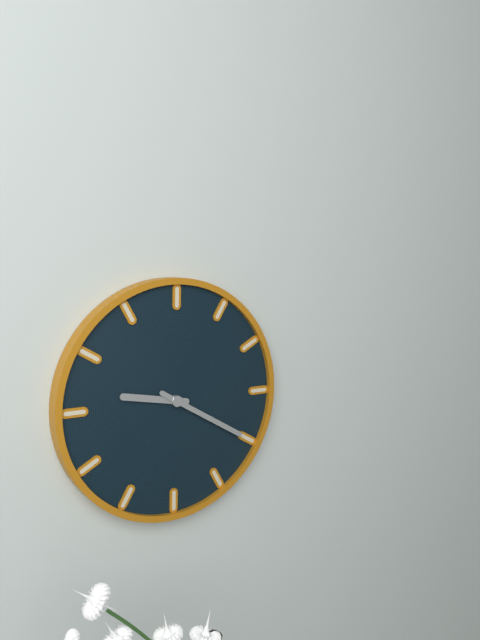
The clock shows 9 h 20 min
